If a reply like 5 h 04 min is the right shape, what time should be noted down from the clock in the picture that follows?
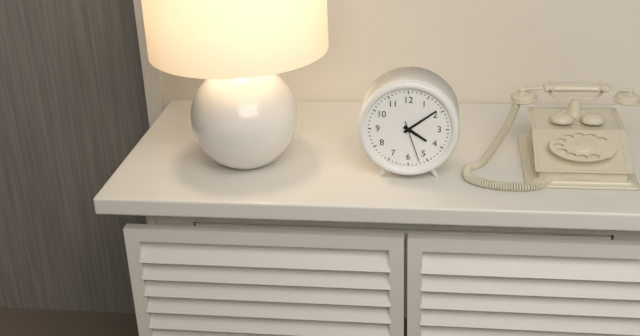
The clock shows 4 h 09 min
